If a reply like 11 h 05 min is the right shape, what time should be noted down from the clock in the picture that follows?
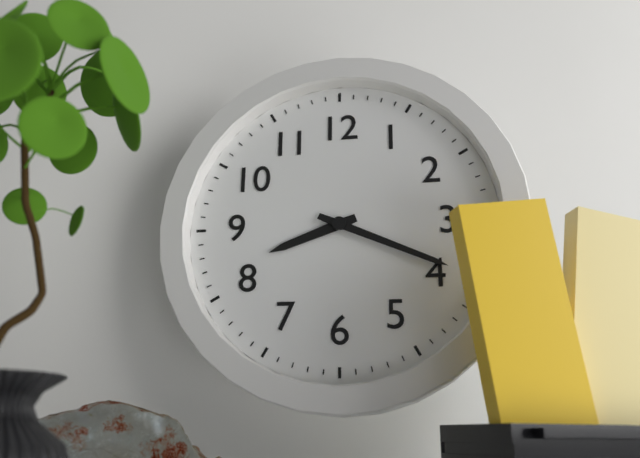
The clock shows 8 h 19 min
